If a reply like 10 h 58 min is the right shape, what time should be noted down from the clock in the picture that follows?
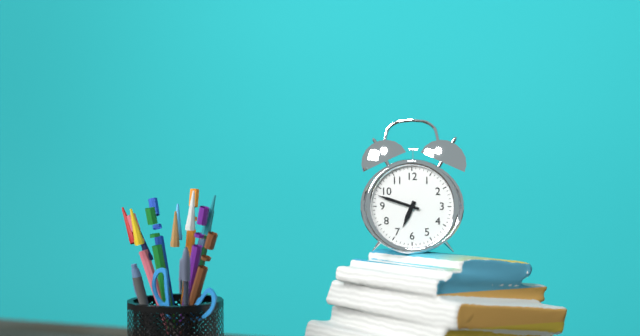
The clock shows 6 h 48 min
